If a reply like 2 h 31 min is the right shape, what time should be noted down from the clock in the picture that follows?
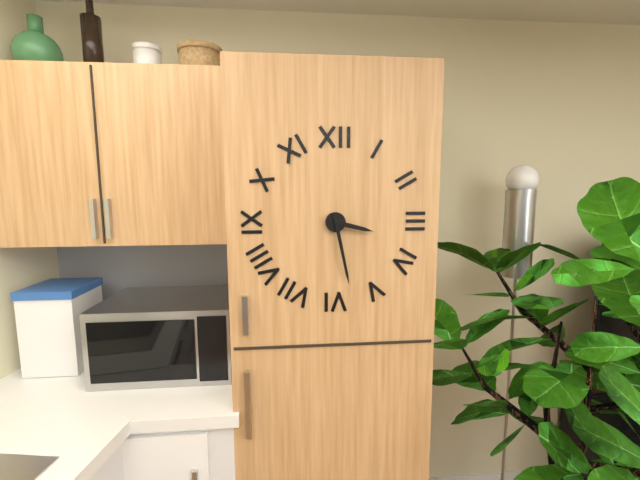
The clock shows 3 h 28 min
